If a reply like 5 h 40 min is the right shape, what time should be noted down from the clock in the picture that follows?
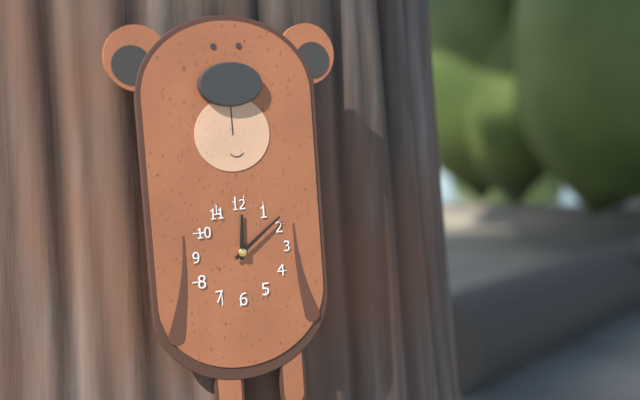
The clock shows 12 h 09 min
